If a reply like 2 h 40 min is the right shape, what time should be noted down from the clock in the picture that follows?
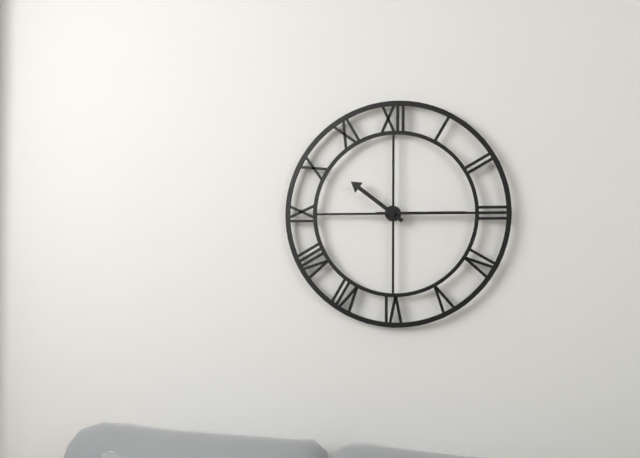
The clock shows 10 h 15 min
